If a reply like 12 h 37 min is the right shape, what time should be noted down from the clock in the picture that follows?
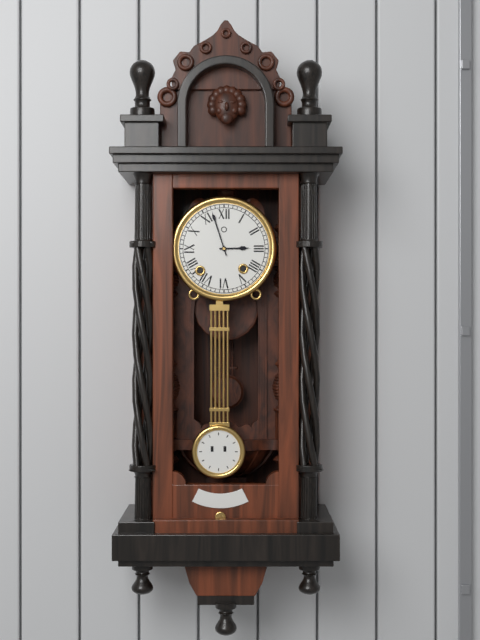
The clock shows 2 h 57 min
